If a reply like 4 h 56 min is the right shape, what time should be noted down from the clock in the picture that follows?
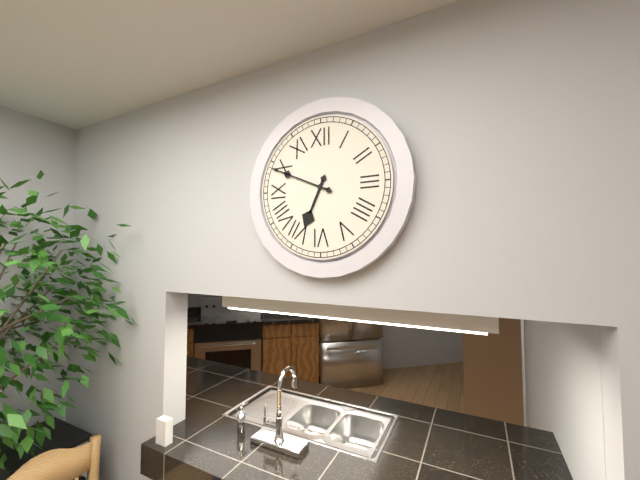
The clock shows 6 h 49 min
